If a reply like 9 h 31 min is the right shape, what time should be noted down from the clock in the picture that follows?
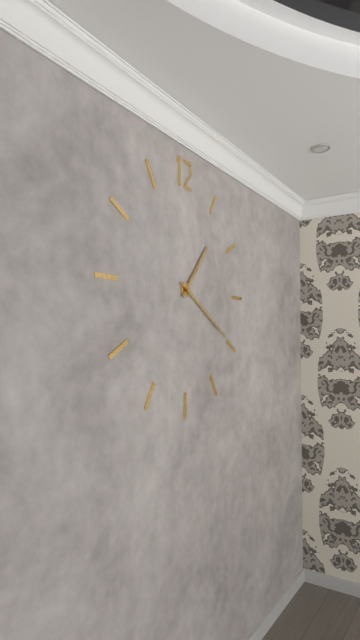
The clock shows 1 h 20 min
